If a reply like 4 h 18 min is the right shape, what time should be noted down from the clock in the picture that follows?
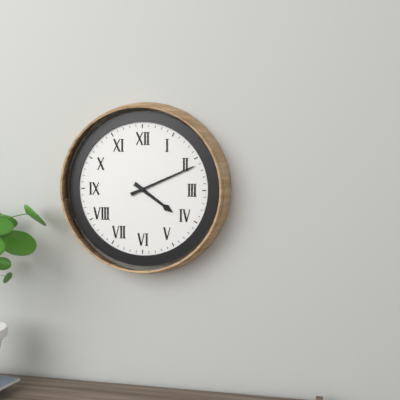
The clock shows 4 h 11 min
